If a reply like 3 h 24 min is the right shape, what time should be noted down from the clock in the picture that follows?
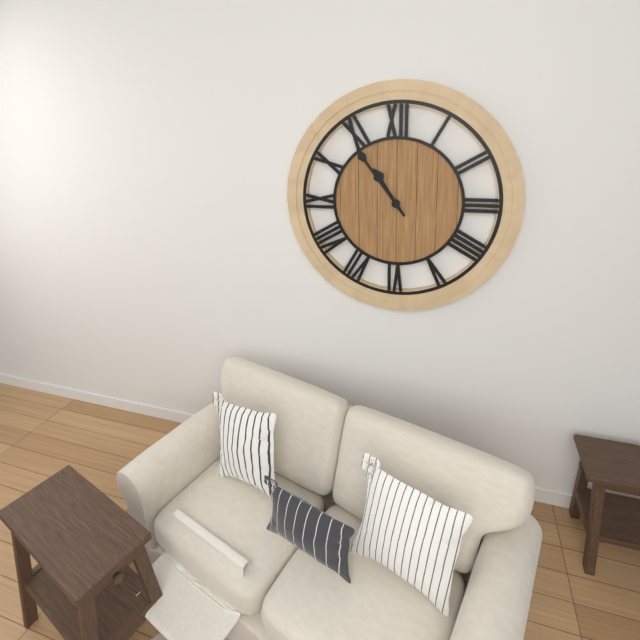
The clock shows 10 h 54 min
